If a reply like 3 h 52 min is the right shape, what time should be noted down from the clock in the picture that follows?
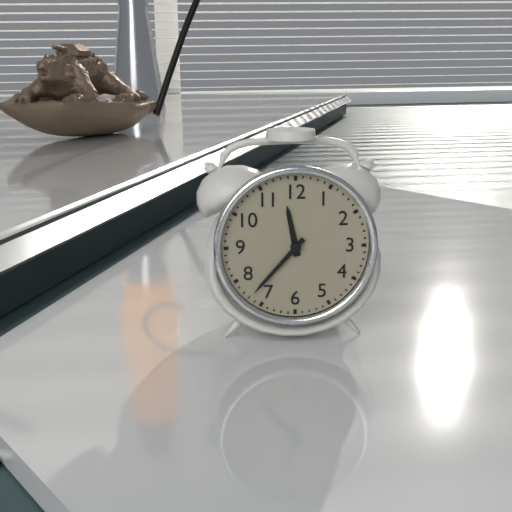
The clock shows 11 h 37 min
